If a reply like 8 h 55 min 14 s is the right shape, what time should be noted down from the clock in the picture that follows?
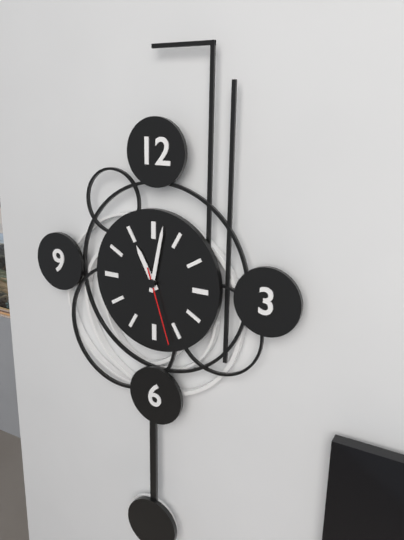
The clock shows 11 h 02 min 27 s
